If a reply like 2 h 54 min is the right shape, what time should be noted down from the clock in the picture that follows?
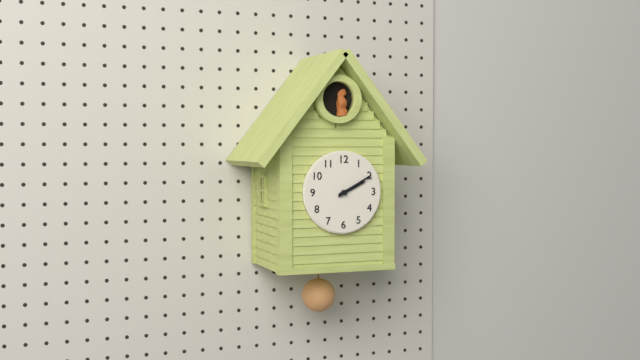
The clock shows 2 h 10 min
